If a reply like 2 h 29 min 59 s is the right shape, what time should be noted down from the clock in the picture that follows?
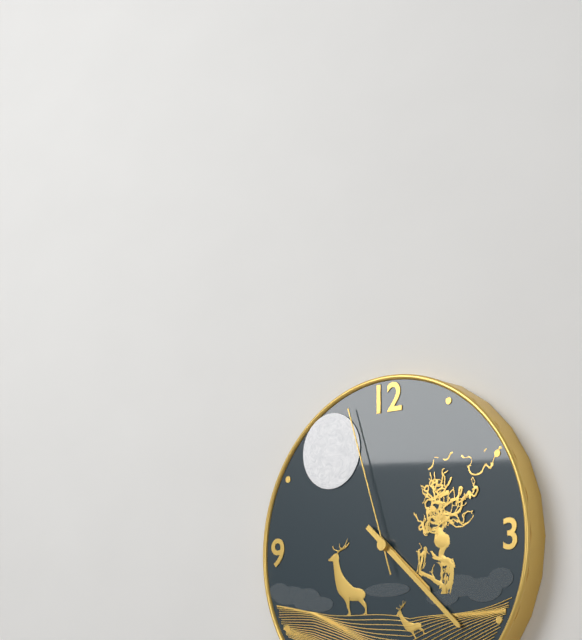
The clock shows 4 h 22 min 57 s
